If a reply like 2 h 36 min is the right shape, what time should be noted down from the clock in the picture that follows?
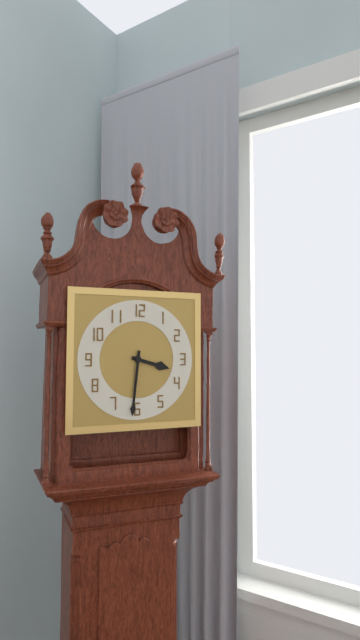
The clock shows 3 h 31 min
